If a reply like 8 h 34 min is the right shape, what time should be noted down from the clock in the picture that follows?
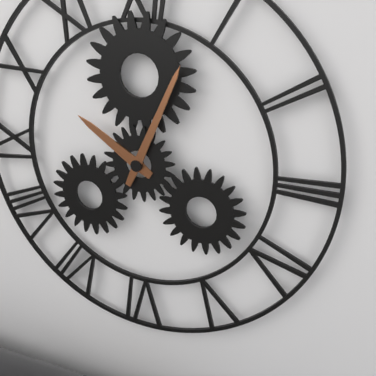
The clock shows 10 h 04 min
